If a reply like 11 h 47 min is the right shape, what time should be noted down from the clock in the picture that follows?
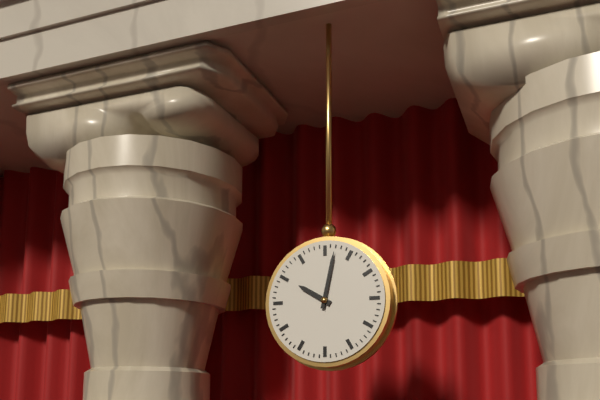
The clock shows 10 h 02 min
